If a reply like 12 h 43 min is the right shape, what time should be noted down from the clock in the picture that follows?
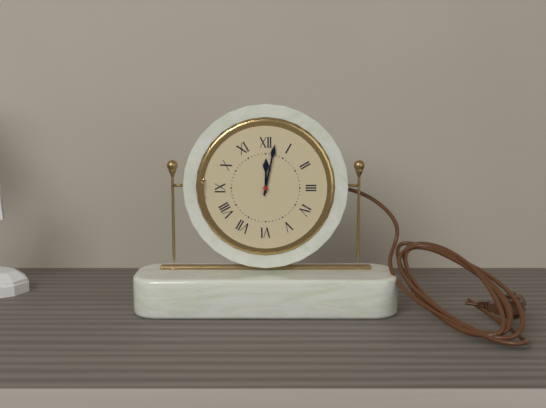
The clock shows 12 h 02 min
